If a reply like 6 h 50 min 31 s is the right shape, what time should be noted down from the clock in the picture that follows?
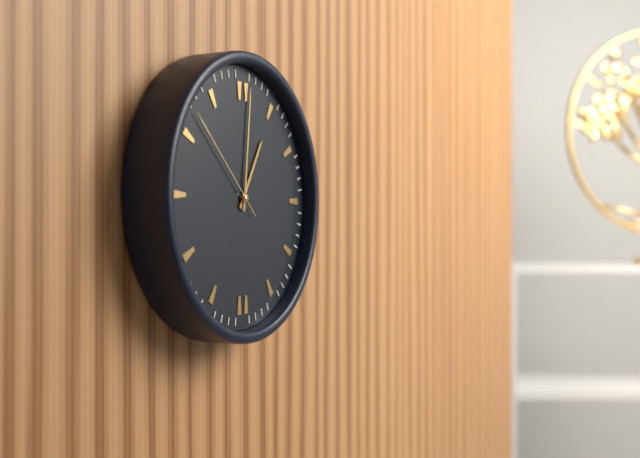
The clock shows 1 h 01 min 52 s
